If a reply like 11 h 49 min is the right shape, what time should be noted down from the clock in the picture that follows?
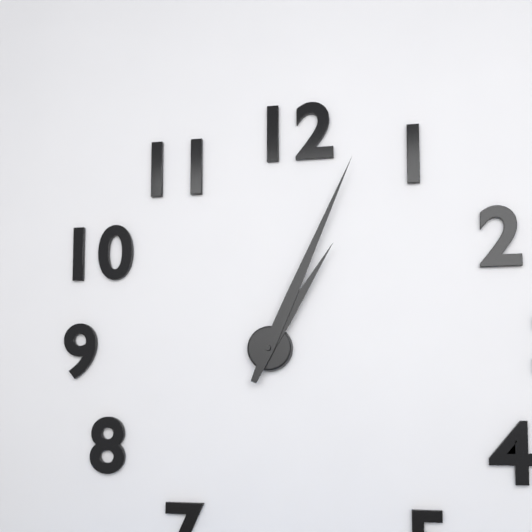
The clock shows 1 h 04 min
